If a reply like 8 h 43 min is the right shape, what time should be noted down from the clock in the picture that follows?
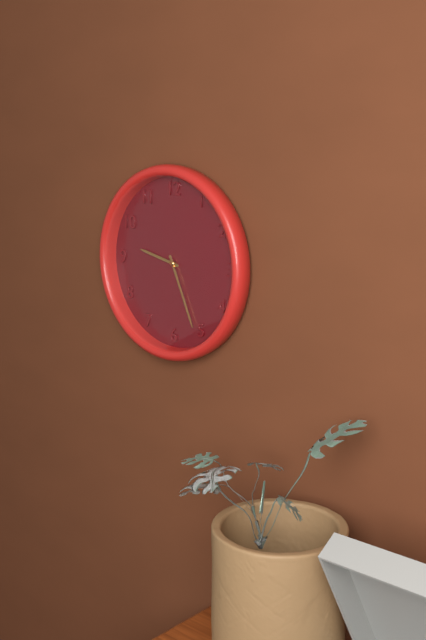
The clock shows 9 h 26 min
